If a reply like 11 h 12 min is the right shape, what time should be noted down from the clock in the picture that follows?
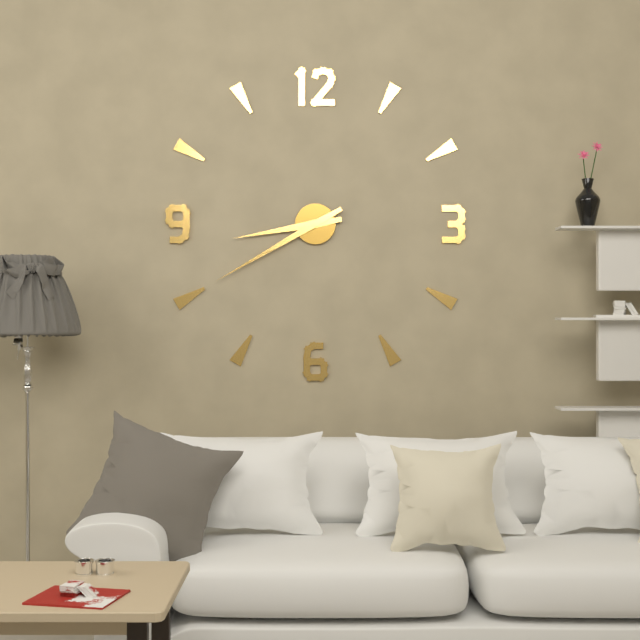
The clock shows 8 h 40 min
